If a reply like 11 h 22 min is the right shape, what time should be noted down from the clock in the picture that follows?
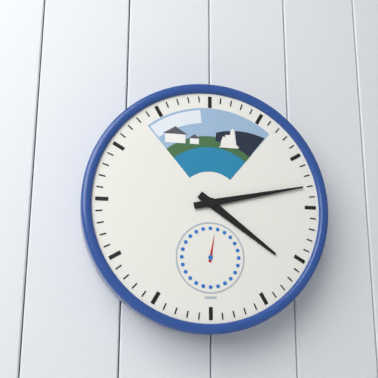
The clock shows 4 h 13 min
